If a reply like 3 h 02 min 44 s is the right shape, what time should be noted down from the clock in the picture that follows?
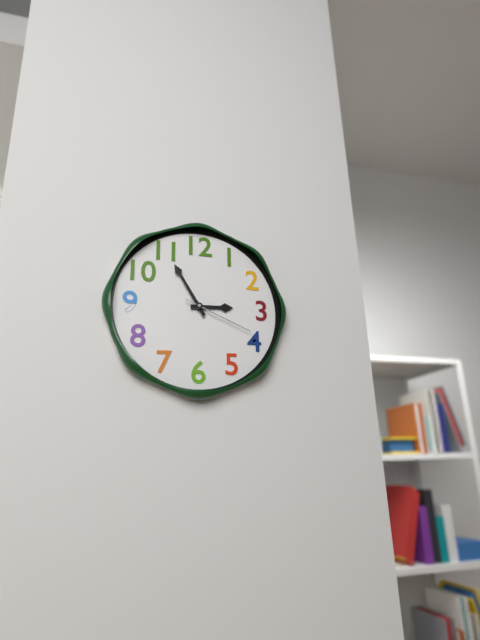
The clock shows 2 h 55 min 19 s
